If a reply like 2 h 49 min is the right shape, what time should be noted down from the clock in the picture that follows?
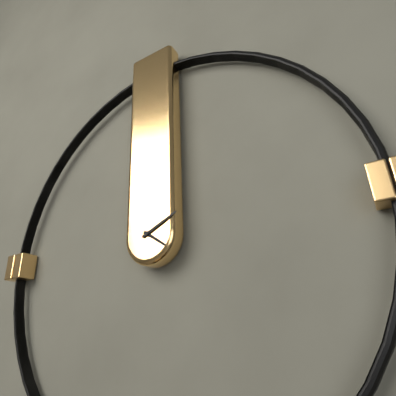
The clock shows 4 h 11 min
